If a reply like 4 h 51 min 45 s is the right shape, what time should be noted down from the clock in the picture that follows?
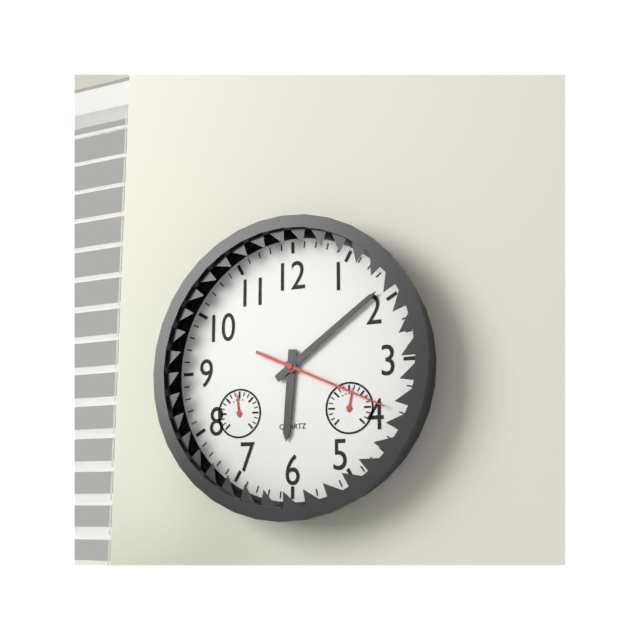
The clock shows 6 h 09 min 19 s
